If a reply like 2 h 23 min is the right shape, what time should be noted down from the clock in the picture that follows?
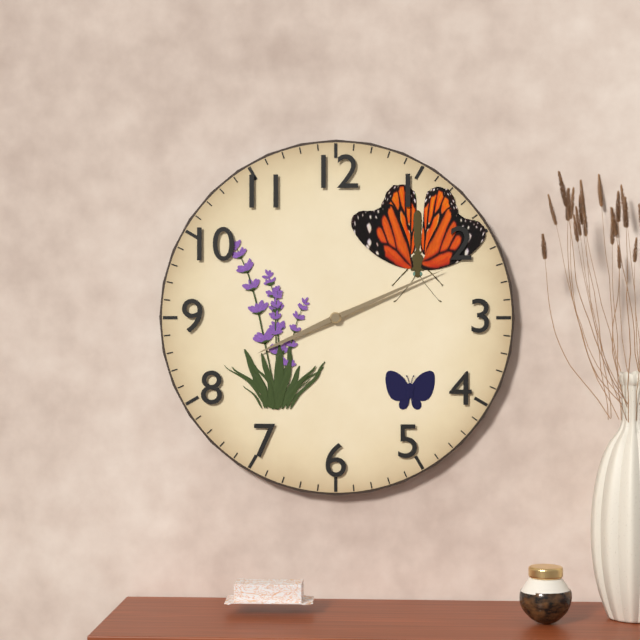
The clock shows 8 h 11 min
